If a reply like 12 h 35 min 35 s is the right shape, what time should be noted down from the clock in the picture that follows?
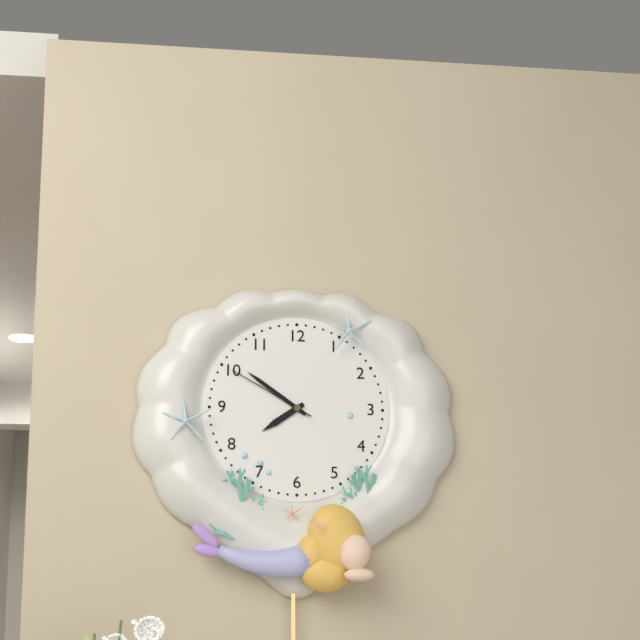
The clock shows 7 h 51 min 50 s
